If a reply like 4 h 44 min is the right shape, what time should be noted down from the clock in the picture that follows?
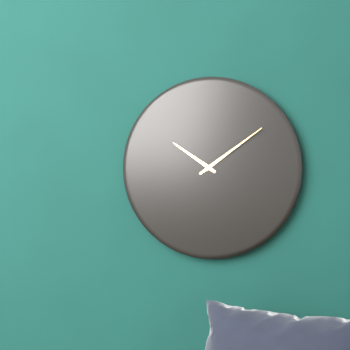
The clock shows 10 h 09 min
